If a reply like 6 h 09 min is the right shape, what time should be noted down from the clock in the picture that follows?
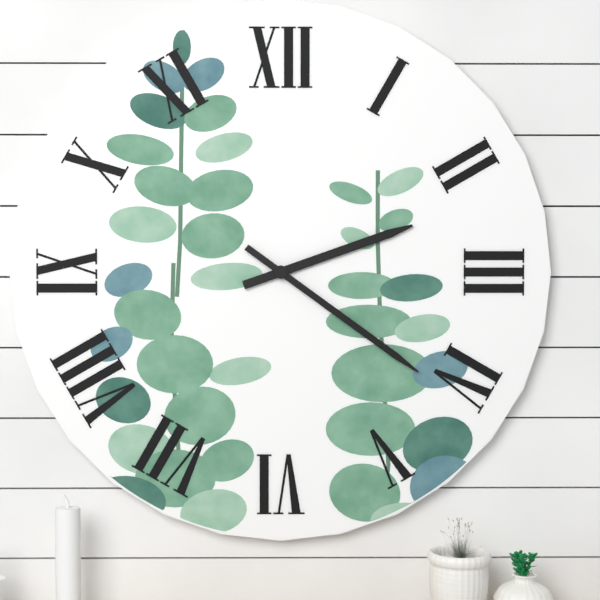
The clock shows 2 h 21 min
